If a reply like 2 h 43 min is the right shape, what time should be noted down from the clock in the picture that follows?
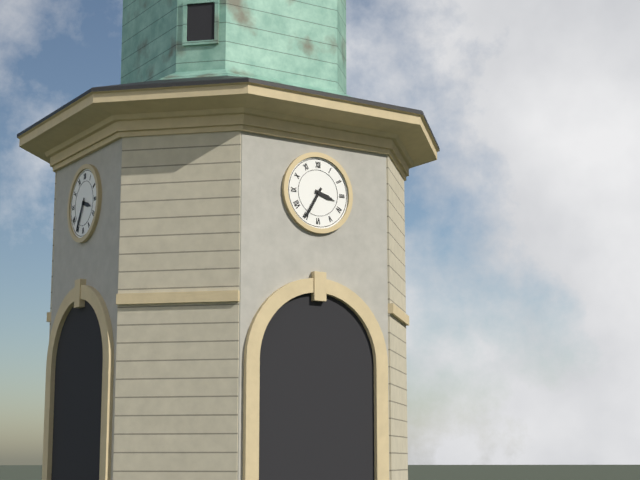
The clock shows 3 h 35 min
